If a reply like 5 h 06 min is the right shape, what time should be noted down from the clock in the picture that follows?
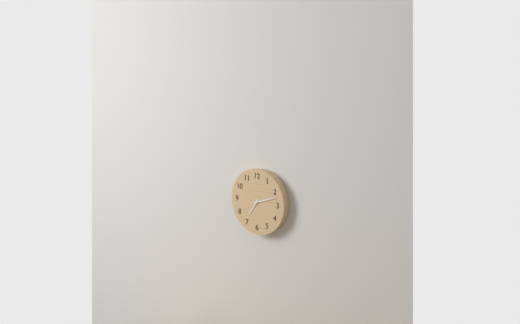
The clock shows 7 h 12 min
